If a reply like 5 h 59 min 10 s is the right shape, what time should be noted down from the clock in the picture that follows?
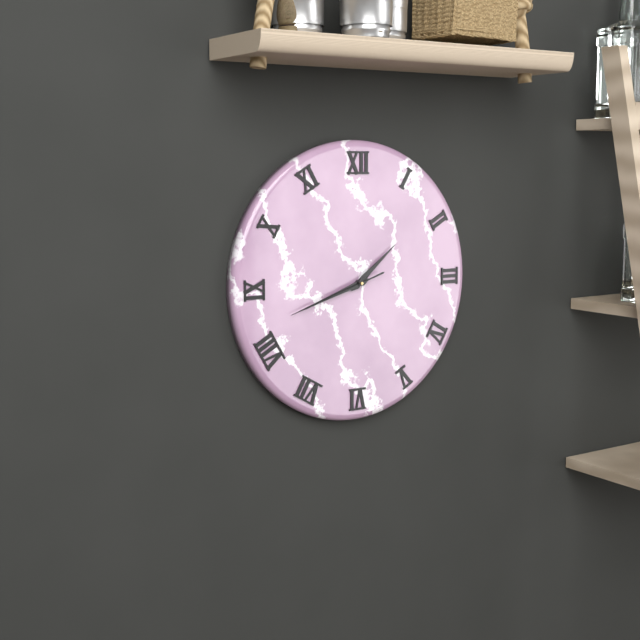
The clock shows 1 h 42 min 42 s
